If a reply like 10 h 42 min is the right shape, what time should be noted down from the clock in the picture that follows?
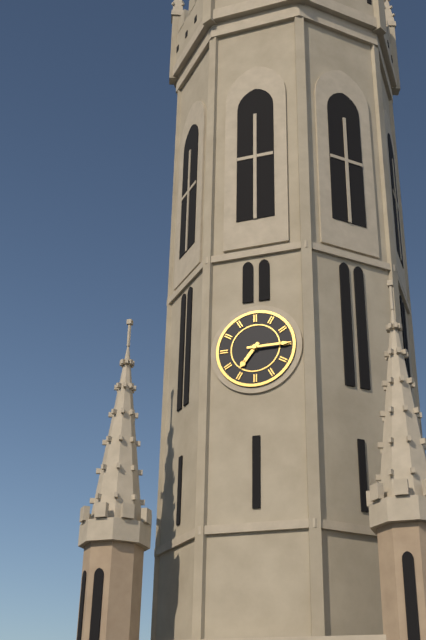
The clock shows 7 h 15 min
